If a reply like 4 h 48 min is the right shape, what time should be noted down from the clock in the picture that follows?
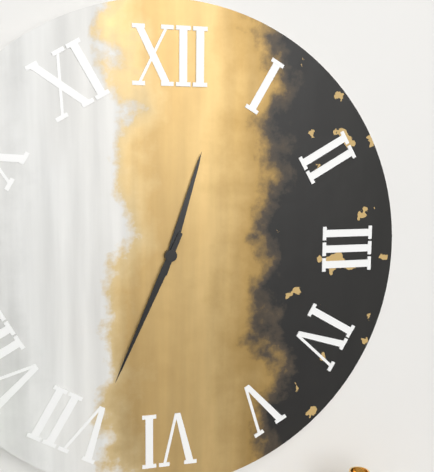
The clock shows 12 h 34 min
